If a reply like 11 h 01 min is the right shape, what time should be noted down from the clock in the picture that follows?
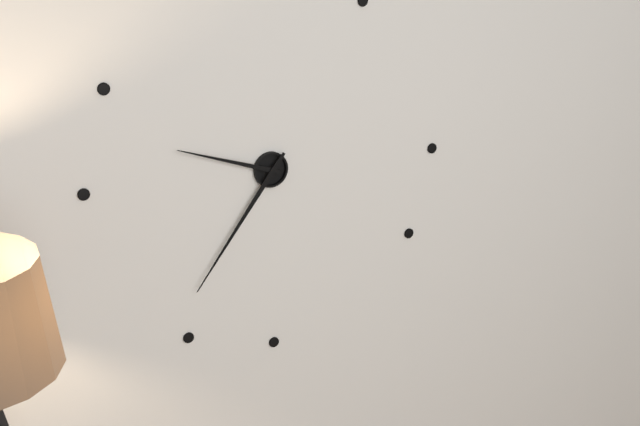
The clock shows 9 h 36 min
